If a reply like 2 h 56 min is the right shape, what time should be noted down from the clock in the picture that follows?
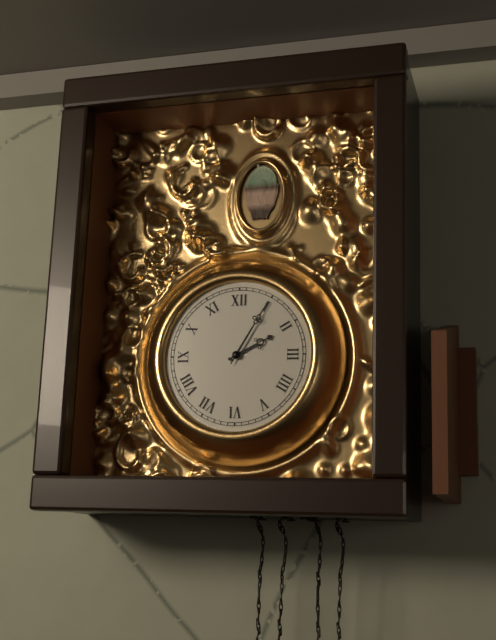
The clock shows 2 h 05 min
